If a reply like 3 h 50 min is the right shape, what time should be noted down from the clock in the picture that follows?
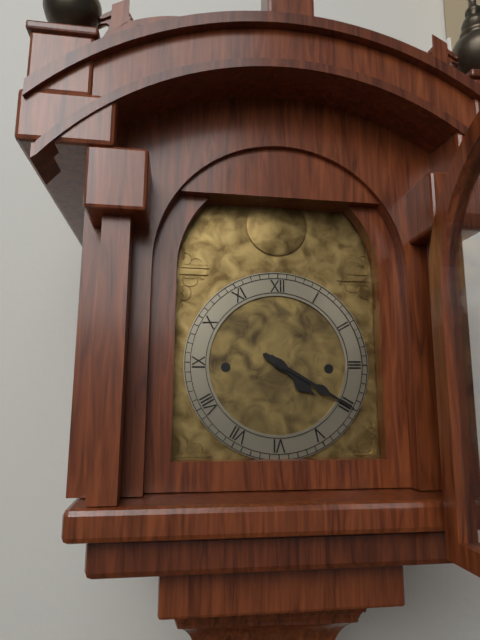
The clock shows 4 h 20 min
